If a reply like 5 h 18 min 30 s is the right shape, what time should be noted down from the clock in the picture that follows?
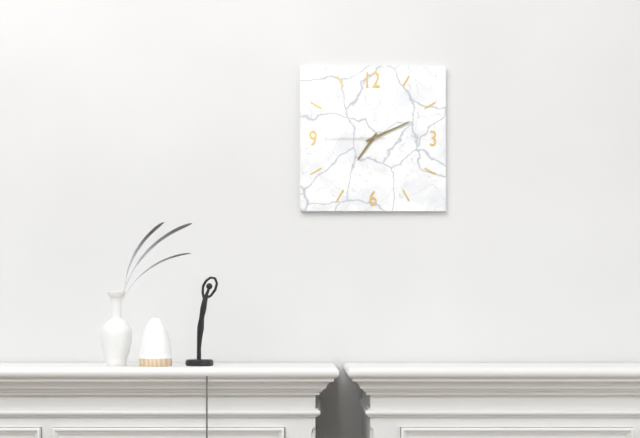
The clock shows 7 h 11 min 45 s
